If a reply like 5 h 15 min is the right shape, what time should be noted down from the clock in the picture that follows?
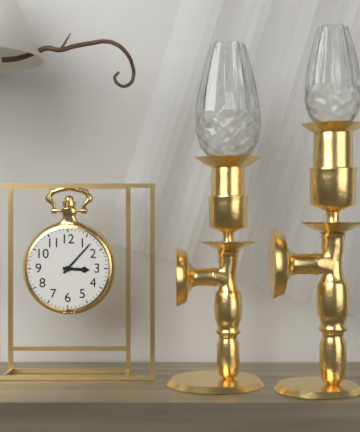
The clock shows 3 h 07 min
